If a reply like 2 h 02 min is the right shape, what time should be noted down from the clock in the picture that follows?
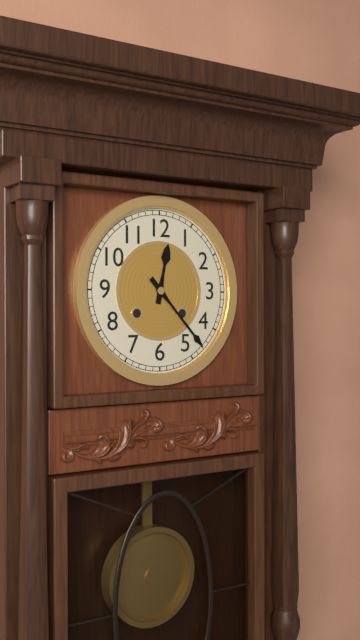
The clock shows 12 h 23 min
